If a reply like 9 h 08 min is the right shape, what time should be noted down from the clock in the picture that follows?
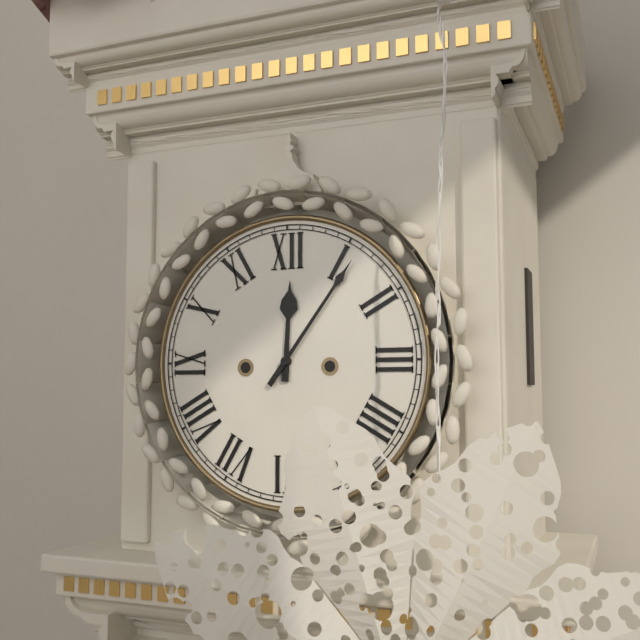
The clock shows 12 h 06 min
